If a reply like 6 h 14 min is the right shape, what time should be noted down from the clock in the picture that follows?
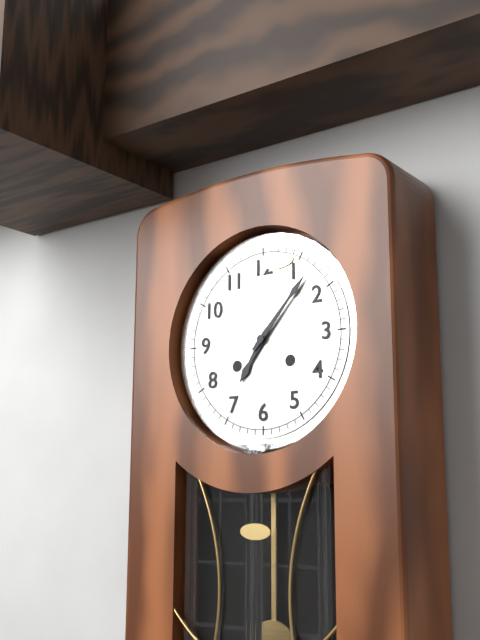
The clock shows 7 h 07 min
